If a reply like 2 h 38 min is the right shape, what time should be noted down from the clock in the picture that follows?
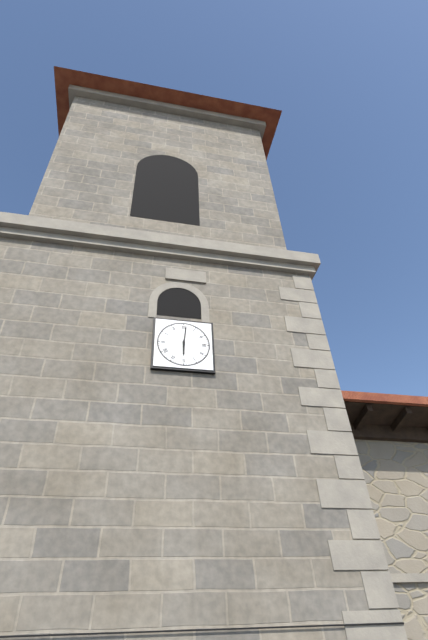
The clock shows 6 h 01 min
